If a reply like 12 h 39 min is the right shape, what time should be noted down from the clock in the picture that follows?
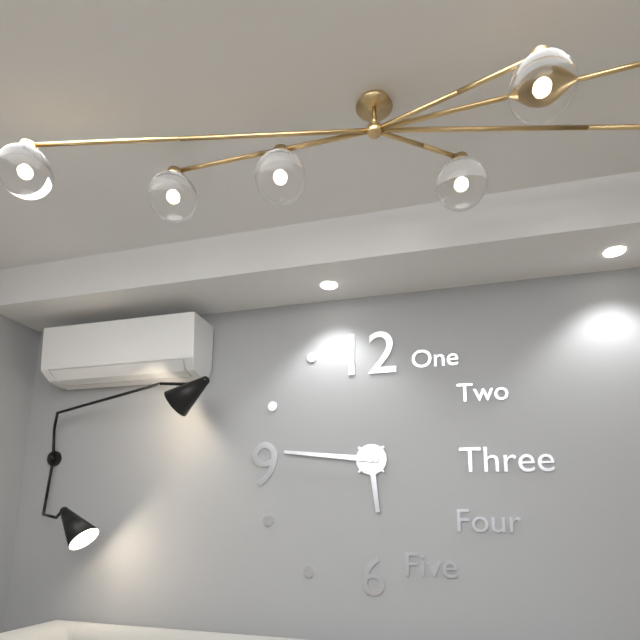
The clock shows 5 h 46 min
